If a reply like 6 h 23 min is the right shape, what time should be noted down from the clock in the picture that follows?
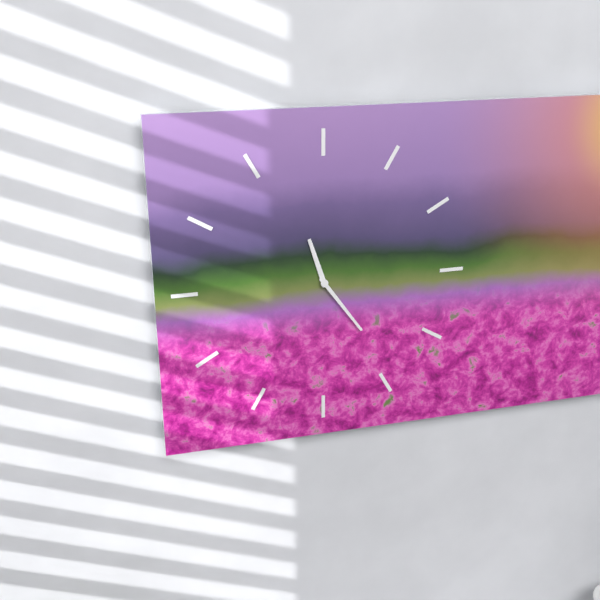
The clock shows 11 h 24 min
